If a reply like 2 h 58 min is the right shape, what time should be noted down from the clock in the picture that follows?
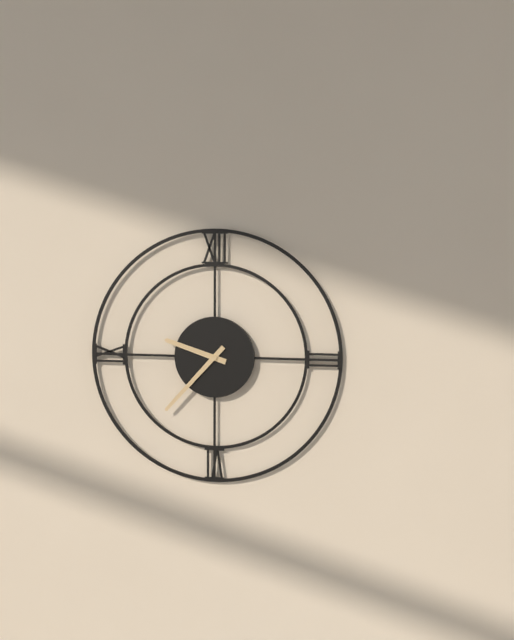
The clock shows 9 h 37 min
